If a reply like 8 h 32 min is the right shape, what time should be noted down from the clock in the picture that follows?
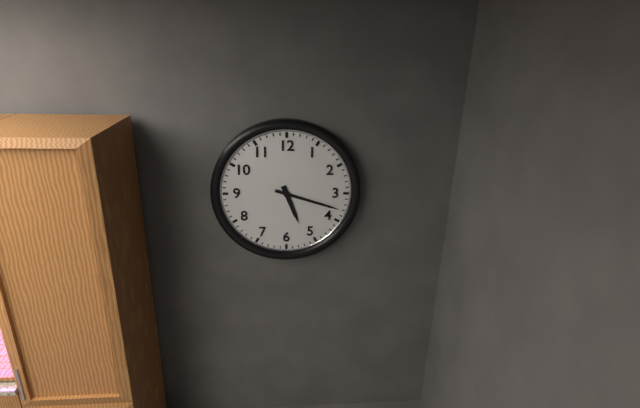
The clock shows 5 h 18 min
